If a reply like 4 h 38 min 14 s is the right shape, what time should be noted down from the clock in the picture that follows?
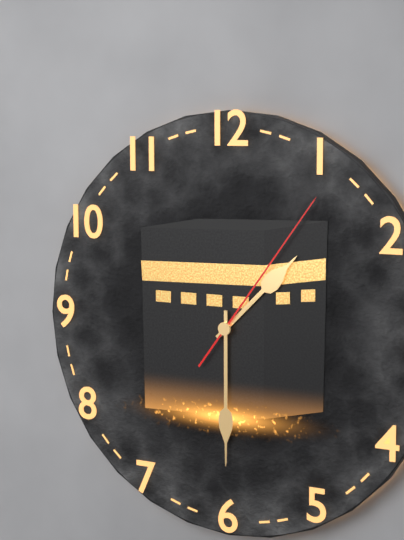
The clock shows 1 h 30 min 06 s
